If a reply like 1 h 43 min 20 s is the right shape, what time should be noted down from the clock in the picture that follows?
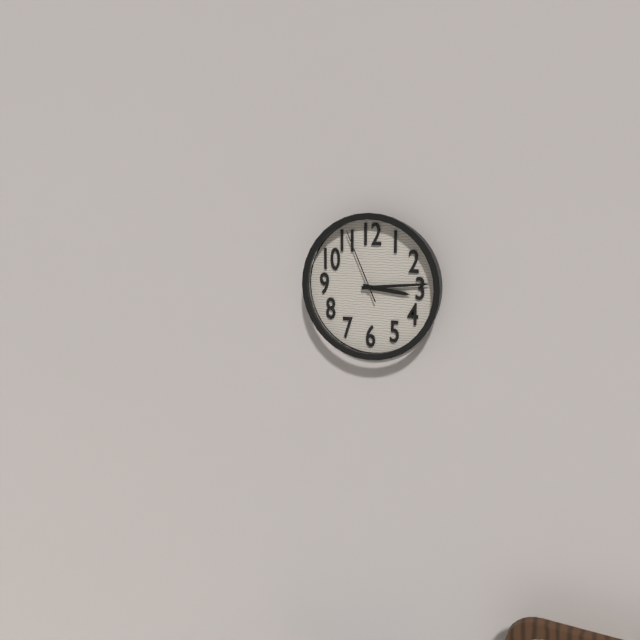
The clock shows 3 h 14 min 56 s
